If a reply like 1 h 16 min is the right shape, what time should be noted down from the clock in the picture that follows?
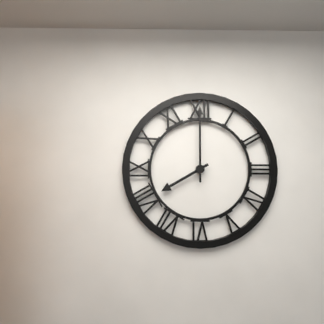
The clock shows 8 h 00 min
